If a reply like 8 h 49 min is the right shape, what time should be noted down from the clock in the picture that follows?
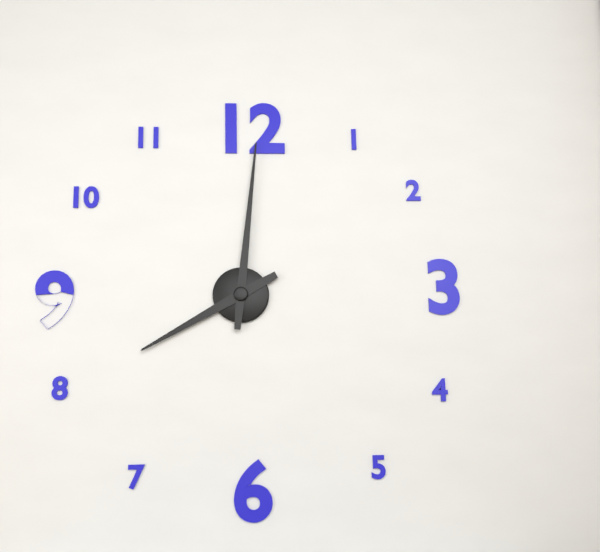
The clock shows 8 h 01 min
